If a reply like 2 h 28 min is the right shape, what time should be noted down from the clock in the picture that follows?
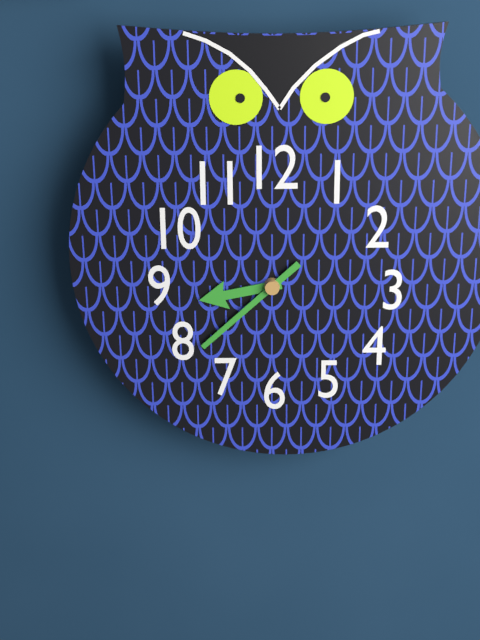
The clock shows 8 h 38 min
